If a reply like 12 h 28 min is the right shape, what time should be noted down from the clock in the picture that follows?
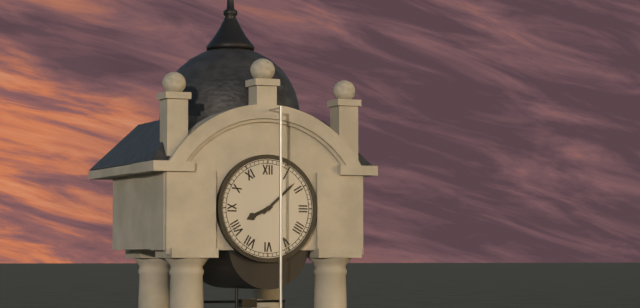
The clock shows 8 h 08 min
